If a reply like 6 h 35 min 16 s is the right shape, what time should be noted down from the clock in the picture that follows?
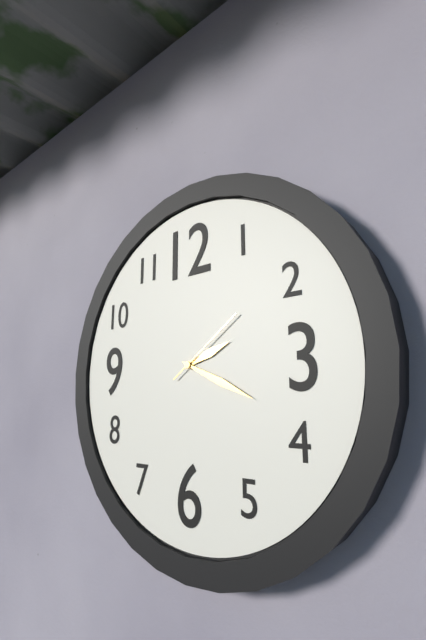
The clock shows 2 h 19 min 09 s
